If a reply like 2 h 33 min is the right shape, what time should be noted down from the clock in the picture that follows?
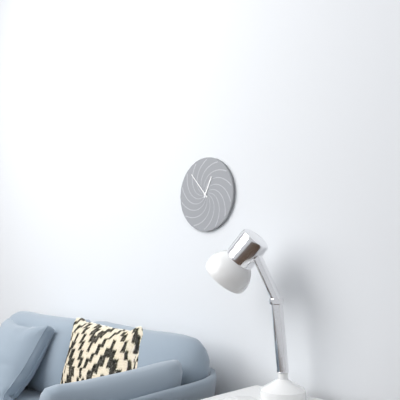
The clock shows 12 h 53 min
